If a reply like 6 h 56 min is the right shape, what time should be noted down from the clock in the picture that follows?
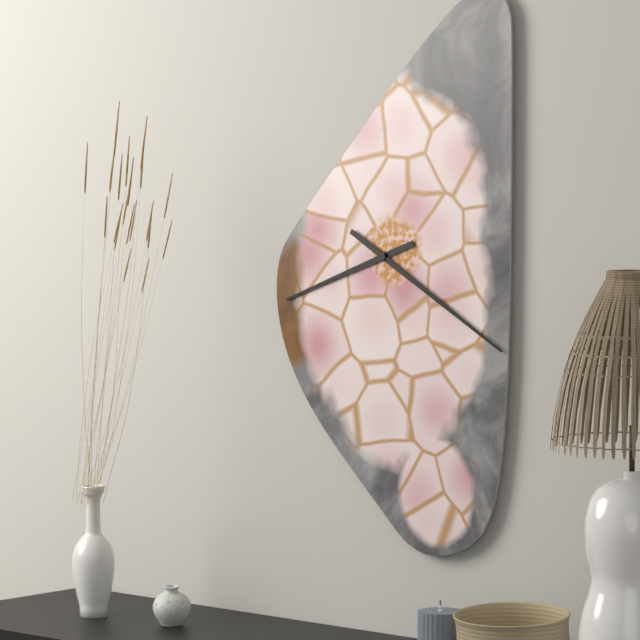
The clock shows 8 h 20 min
